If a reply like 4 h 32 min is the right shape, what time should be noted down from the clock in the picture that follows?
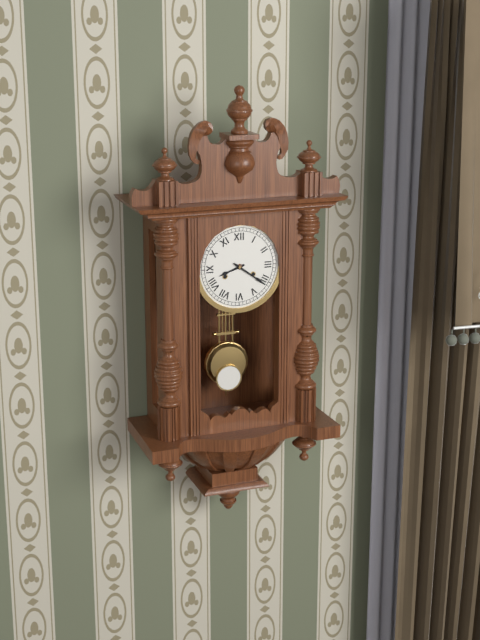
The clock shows 8 h 21 min
